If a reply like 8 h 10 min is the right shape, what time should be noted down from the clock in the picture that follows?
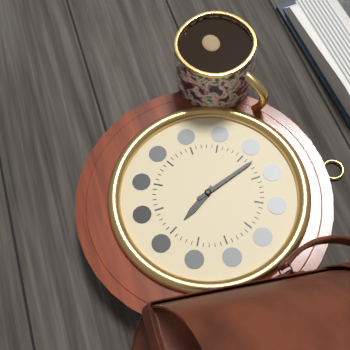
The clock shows 4 h 57 min
